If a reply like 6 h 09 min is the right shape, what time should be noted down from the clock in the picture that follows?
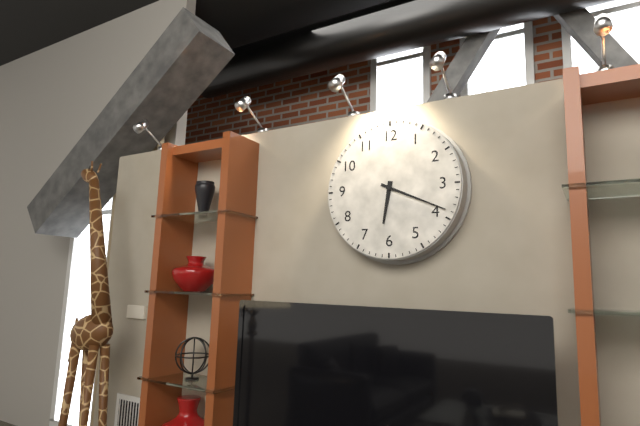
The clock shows 6 h 19 min
